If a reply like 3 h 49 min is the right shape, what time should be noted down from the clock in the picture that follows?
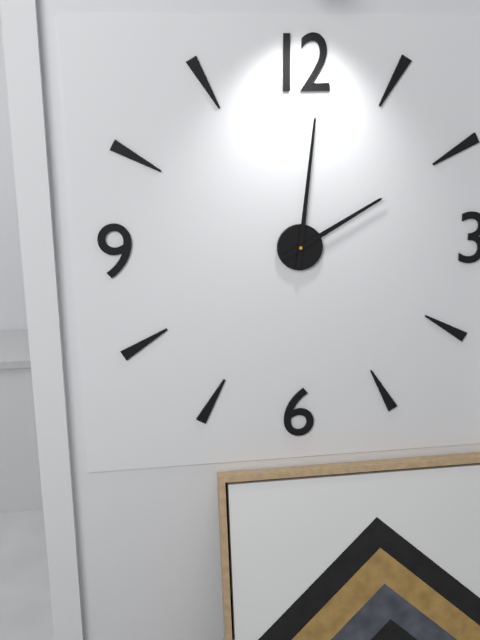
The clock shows 2 h 01 min
